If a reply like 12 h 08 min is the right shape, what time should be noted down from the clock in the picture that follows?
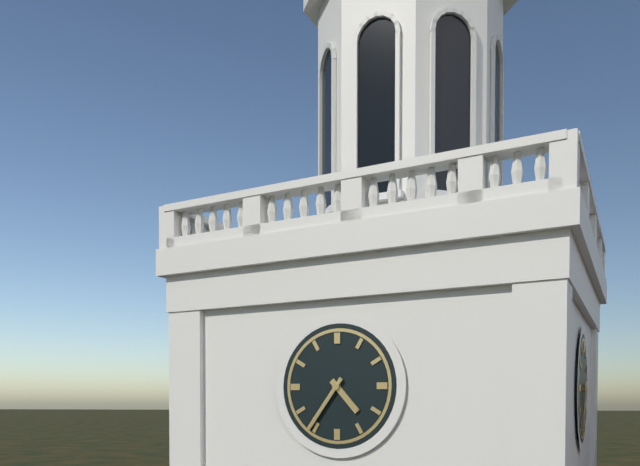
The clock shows 4 h 36 min
